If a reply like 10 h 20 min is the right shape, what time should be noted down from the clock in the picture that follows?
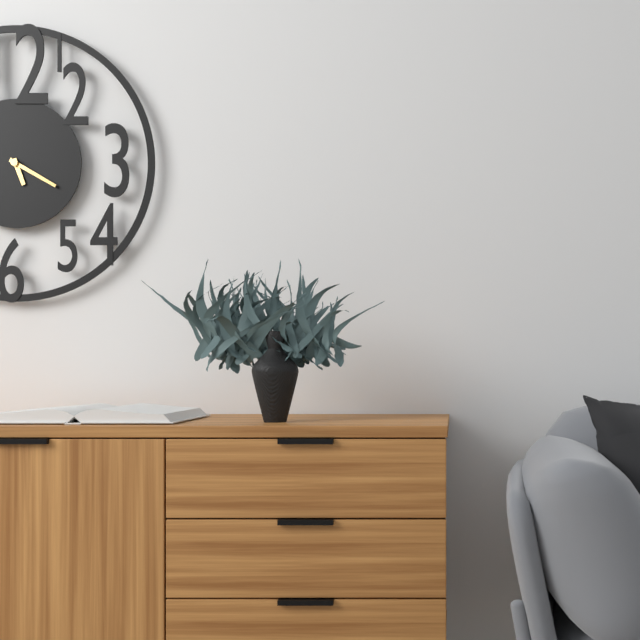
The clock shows 5 h 20 min
